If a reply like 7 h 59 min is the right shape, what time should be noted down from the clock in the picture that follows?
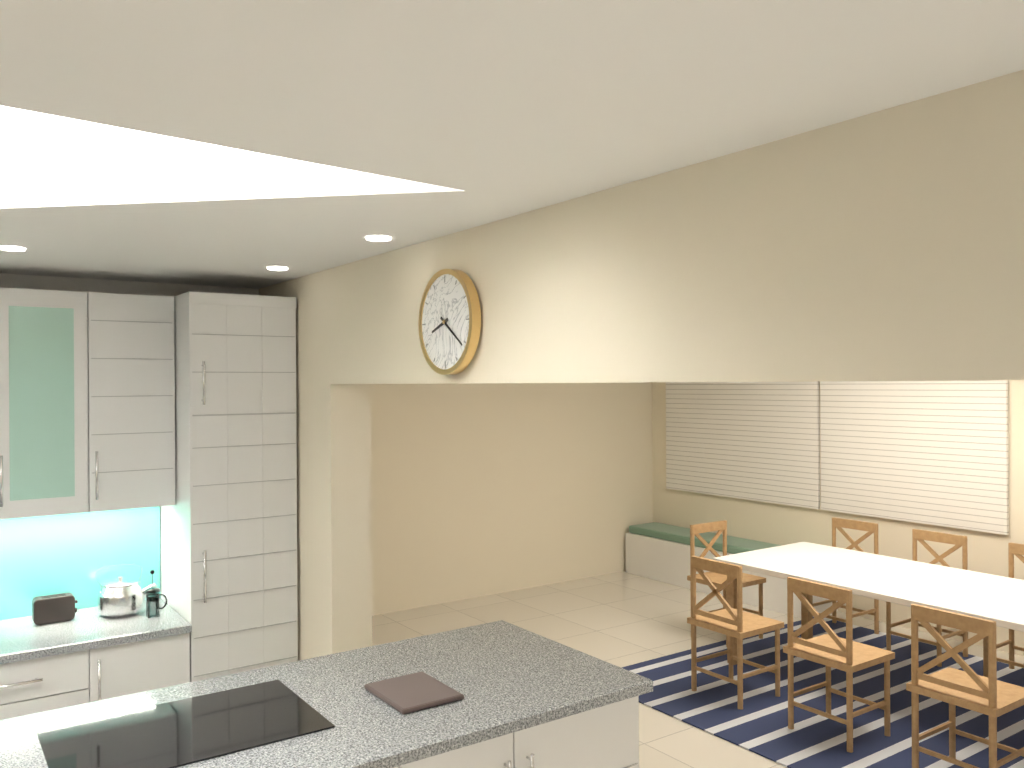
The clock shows 8 h 21 min
